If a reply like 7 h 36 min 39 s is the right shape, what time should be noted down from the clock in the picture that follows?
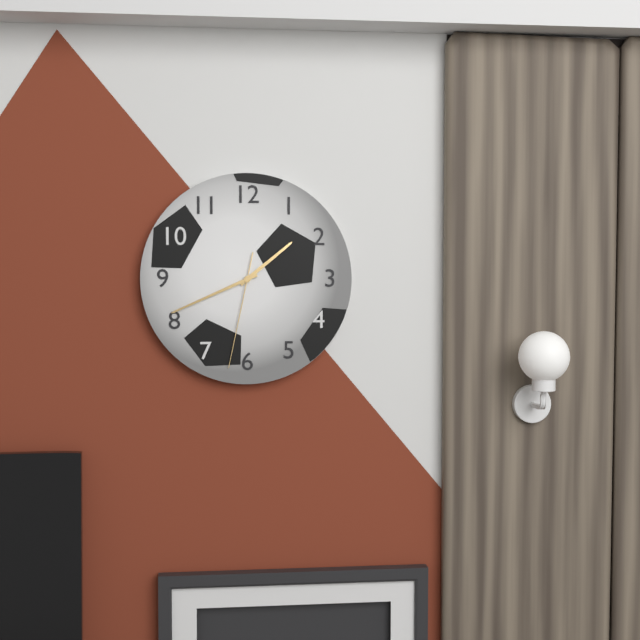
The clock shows 1 h 41 min 32 s
